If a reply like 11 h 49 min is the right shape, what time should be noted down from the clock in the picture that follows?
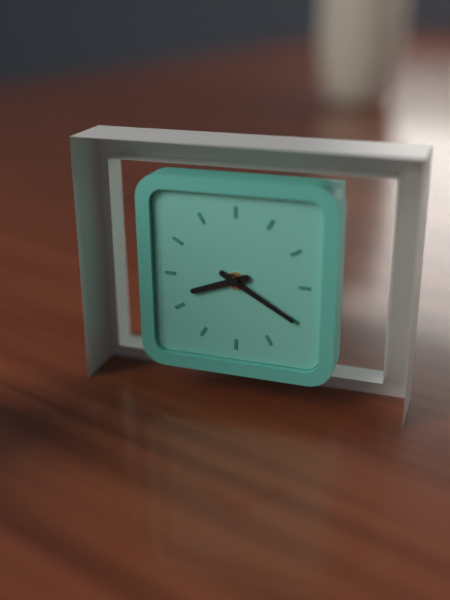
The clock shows 8 h 20 min
